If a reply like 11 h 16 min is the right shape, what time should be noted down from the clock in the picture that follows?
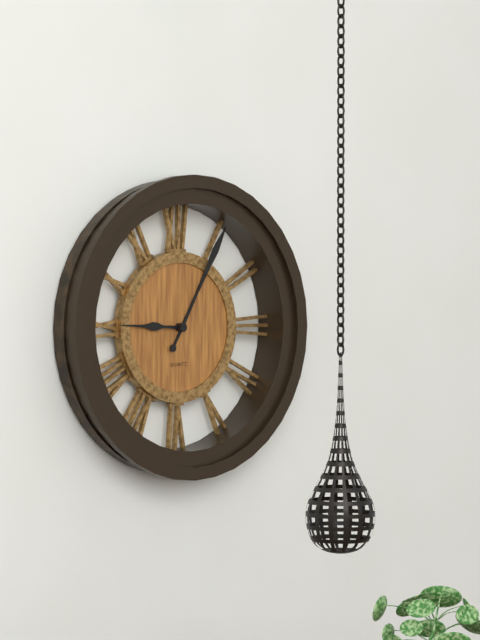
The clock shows 9 h 05 min
